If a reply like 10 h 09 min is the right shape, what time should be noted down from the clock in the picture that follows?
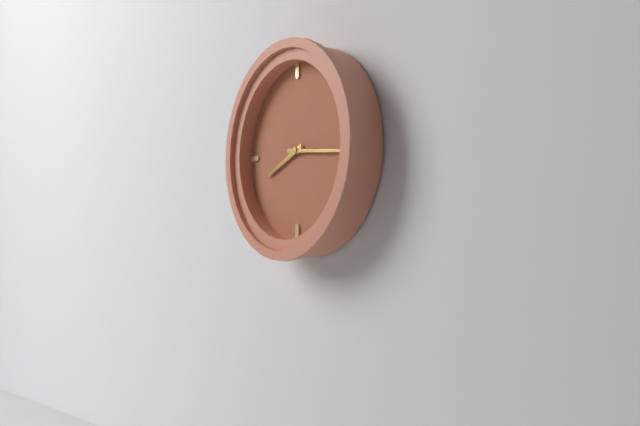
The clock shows 8 h 16 min
